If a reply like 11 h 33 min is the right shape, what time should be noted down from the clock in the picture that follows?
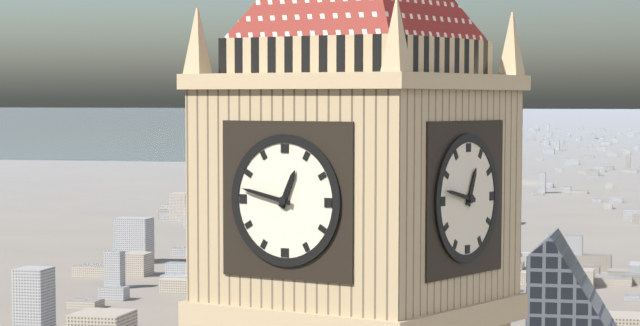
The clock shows 12 h 47 min
